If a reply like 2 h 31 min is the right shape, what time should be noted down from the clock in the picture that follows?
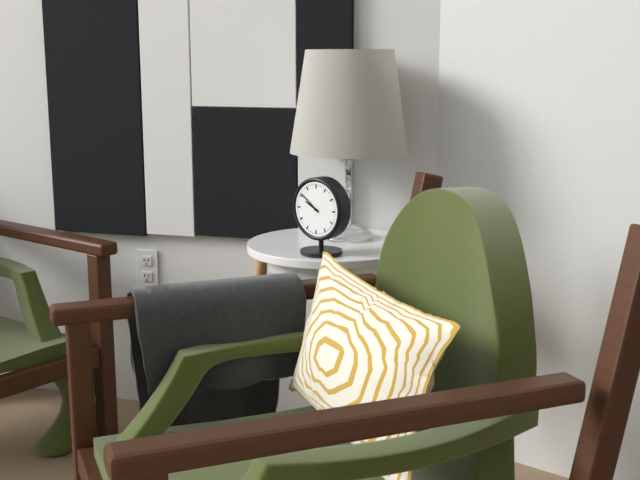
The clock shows 9 h 51 min
